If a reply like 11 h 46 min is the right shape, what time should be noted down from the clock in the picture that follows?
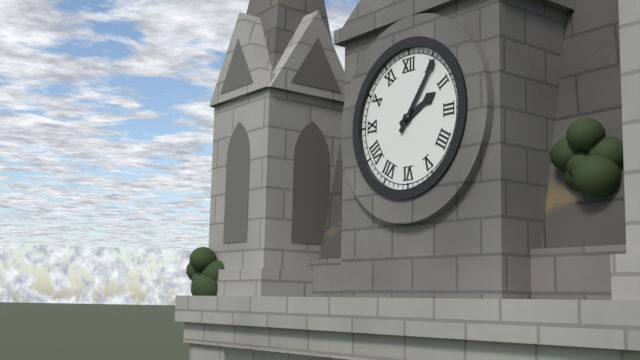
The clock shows 2 h 06 min
